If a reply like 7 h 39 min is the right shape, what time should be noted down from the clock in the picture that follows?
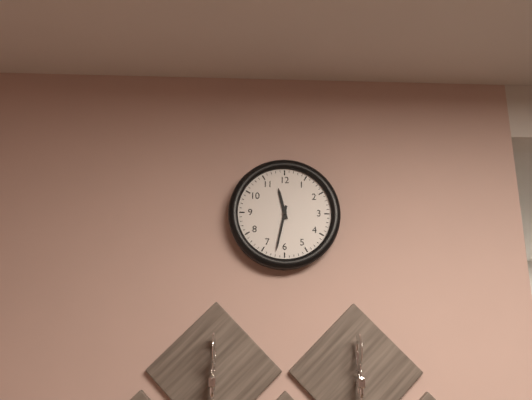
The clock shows 11 h 32 min
